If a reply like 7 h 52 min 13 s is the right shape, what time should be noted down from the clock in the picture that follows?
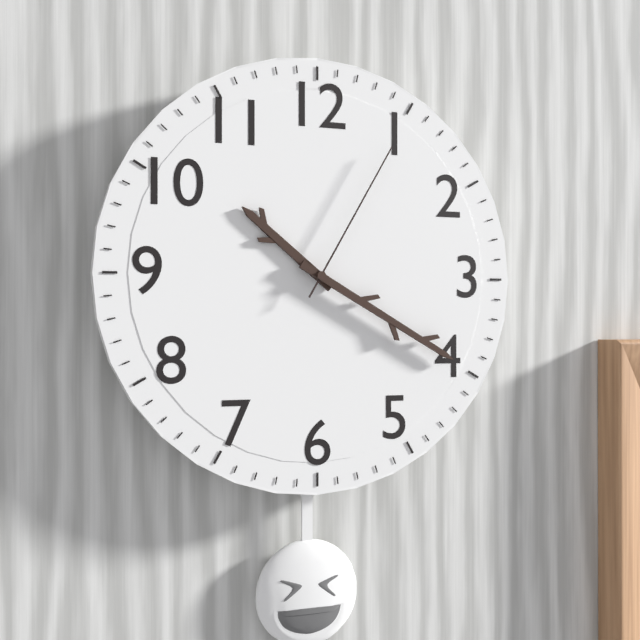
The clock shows 10 h 20 min 05 s
